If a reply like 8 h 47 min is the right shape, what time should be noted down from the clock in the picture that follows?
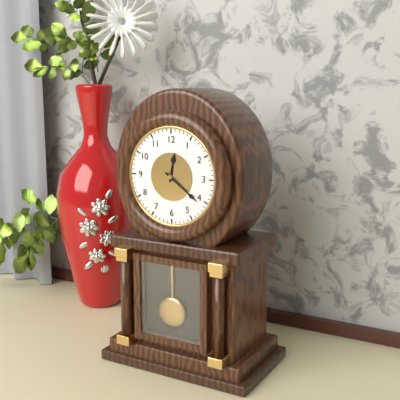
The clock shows 12 h 21 min
